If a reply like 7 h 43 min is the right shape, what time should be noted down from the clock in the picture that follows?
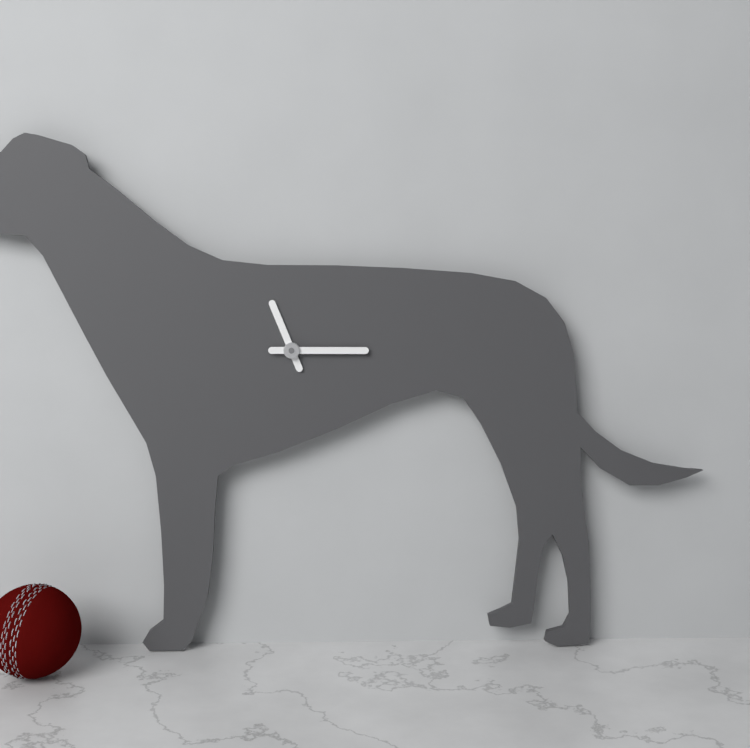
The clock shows 11 h 15 min
